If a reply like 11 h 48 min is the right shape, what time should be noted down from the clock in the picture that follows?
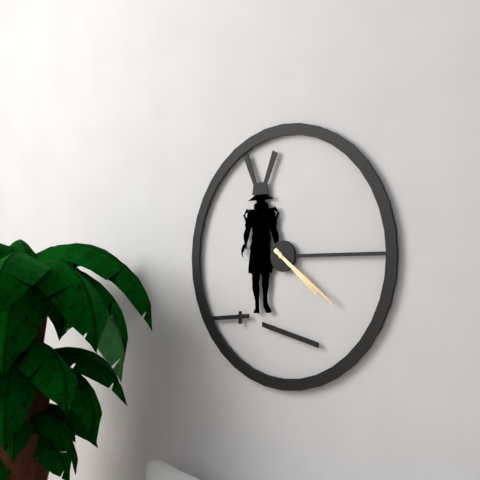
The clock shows 4 h 21 min
